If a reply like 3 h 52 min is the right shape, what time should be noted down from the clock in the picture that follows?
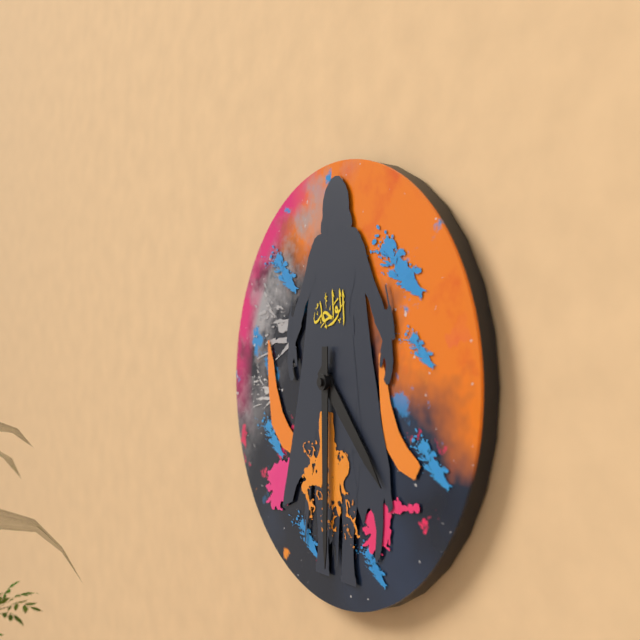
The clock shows 4 h 30 min
